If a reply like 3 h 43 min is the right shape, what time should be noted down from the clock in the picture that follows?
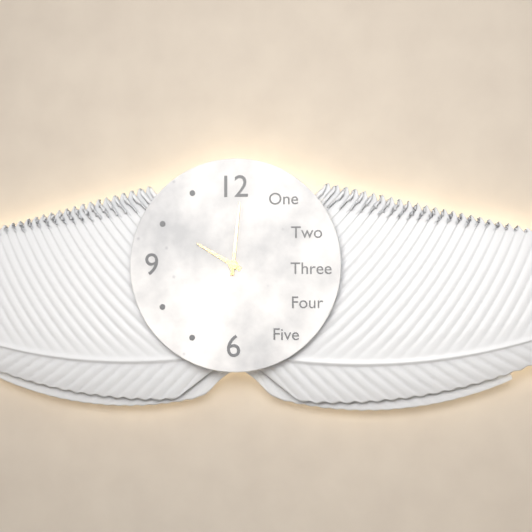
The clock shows 10 h 01 min
